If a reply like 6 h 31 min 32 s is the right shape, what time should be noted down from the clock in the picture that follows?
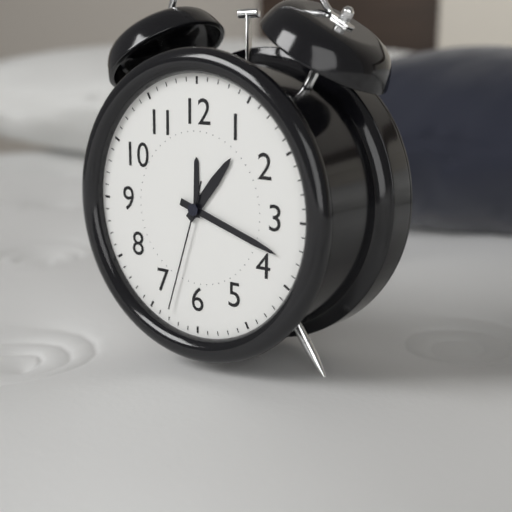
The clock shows 1 h 18 min 33 s
